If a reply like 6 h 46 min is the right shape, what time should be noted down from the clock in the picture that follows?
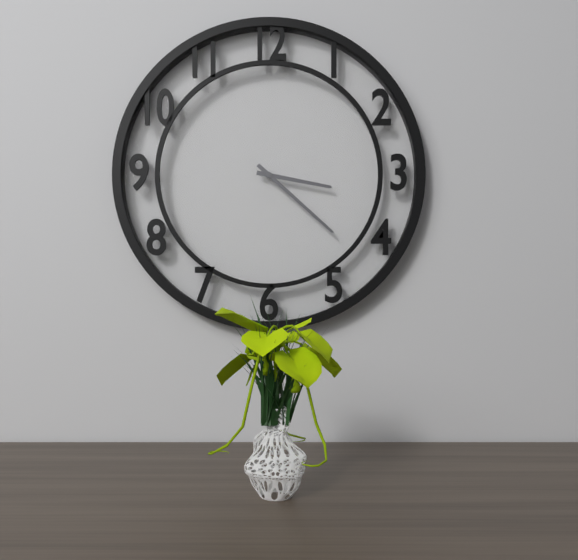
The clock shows 3 h 22 min
